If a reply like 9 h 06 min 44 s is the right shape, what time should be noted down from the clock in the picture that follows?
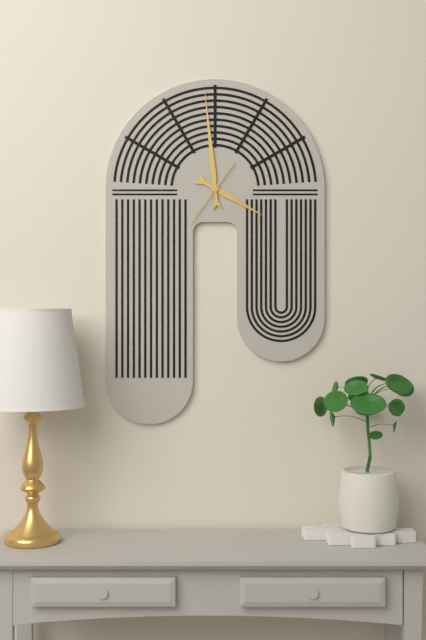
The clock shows 3 h 59 min 36 s
